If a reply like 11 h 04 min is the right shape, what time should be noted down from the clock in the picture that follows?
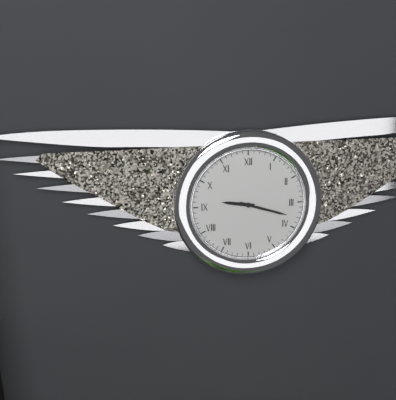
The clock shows 9 h 18 min
